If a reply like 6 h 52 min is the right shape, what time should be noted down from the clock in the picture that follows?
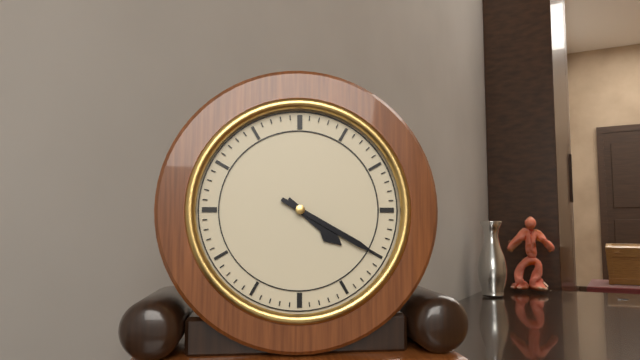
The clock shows 4 h 20 min
